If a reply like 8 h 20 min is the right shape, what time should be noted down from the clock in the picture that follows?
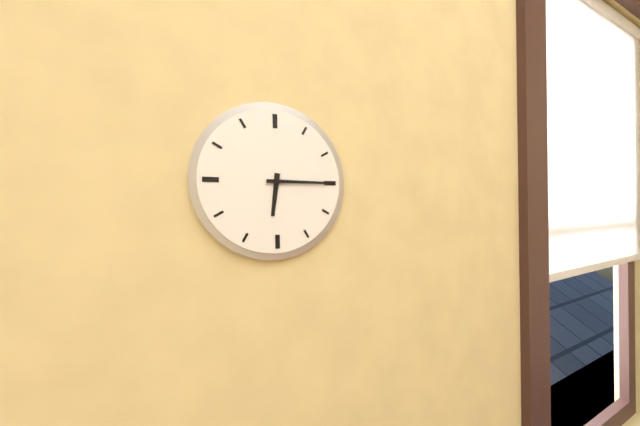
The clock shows 6 h 15 min
